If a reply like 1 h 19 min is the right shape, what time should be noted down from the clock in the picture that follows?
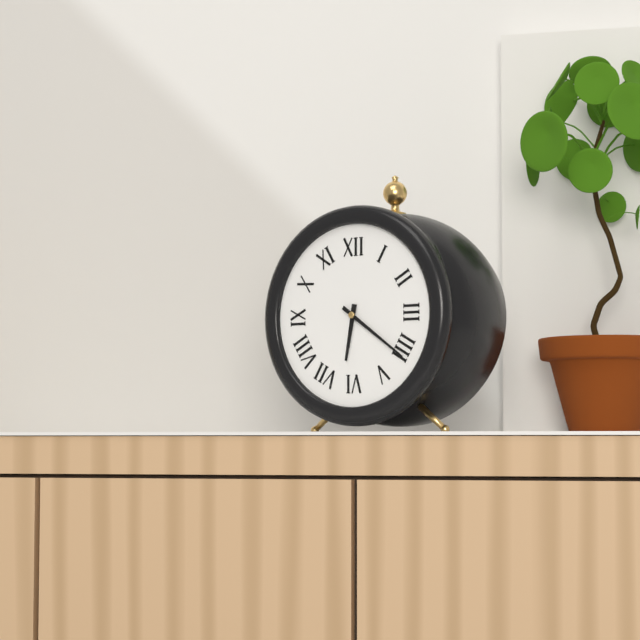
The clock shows 6 h 21 min
